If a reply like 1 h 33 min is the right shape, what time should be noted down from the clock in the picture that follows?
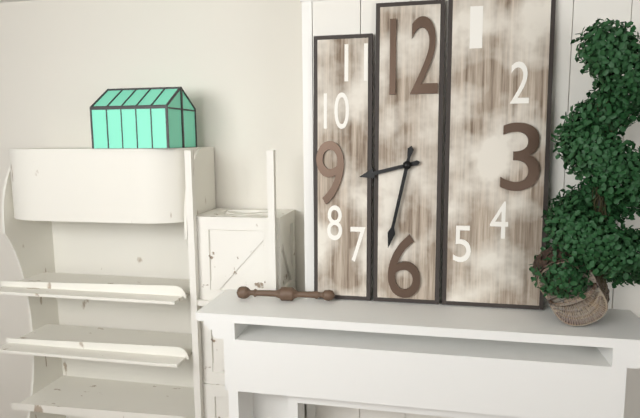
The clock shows 8 h 32 min
